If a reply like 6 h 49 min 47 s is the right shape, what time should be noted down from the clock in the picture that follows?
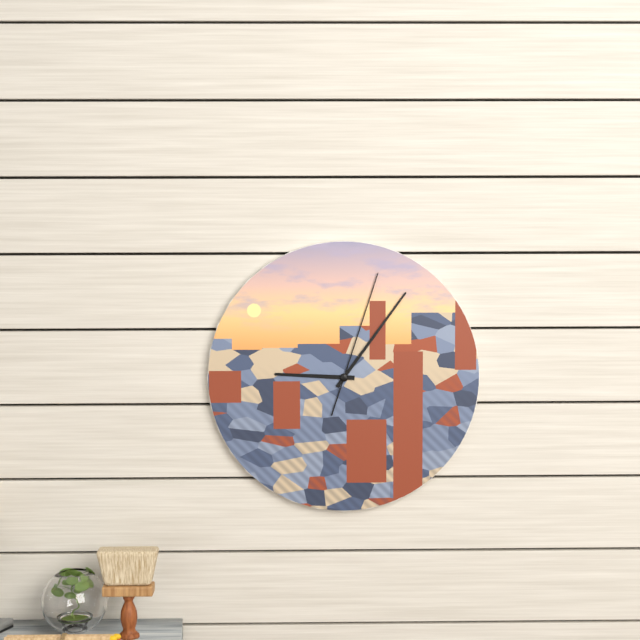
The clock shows 9 h 06 min 03 s
